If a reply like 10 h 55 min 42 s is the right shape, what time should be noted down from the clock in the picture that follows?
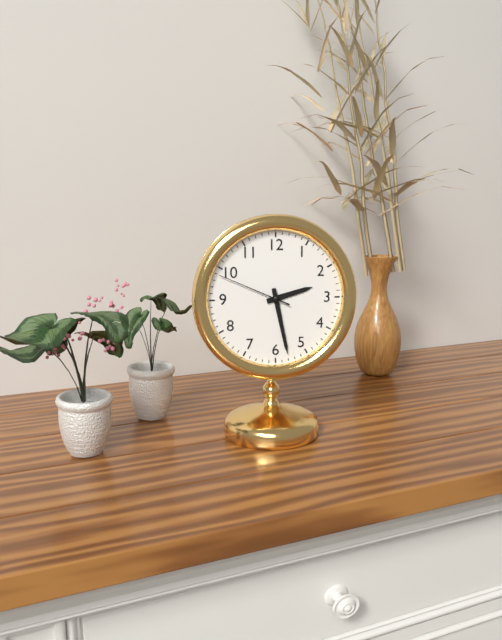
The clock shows 2 h 28 min 49 s
